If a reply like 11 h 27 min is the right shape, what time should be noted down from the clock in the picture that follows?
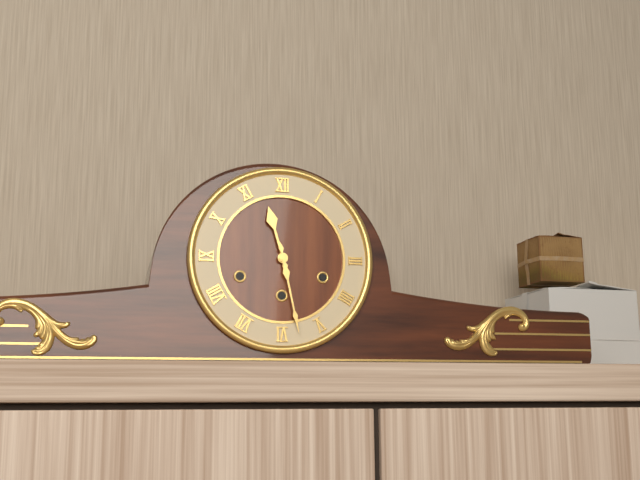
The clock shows 11 h 28 min
